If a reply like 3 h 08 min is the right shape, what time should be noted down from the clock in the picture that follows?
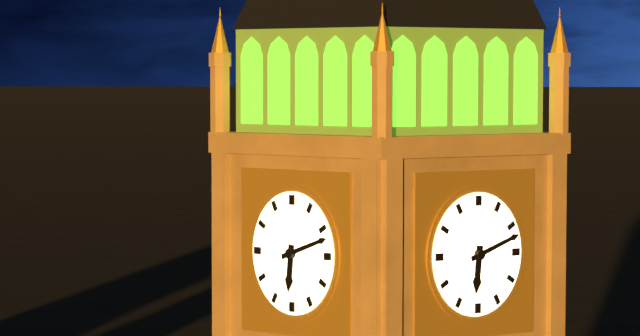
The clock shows 6 h 12 min
